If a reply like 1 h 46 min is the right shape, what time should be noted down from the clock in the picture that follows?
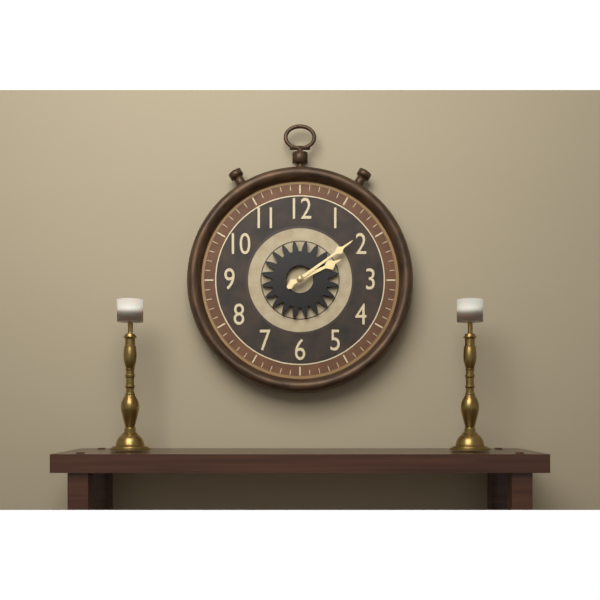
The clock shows 2 h 09 min
